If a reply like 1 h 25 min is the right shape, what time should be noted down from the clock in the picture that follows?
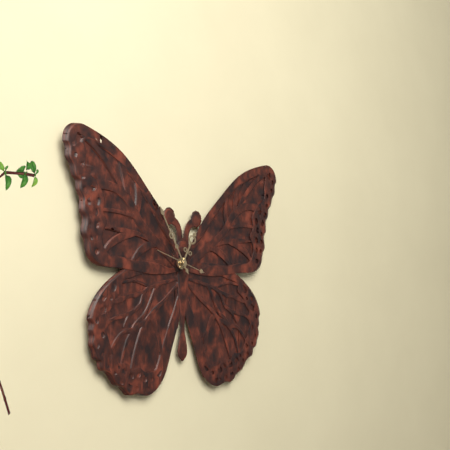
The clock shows 12 h 55 min
